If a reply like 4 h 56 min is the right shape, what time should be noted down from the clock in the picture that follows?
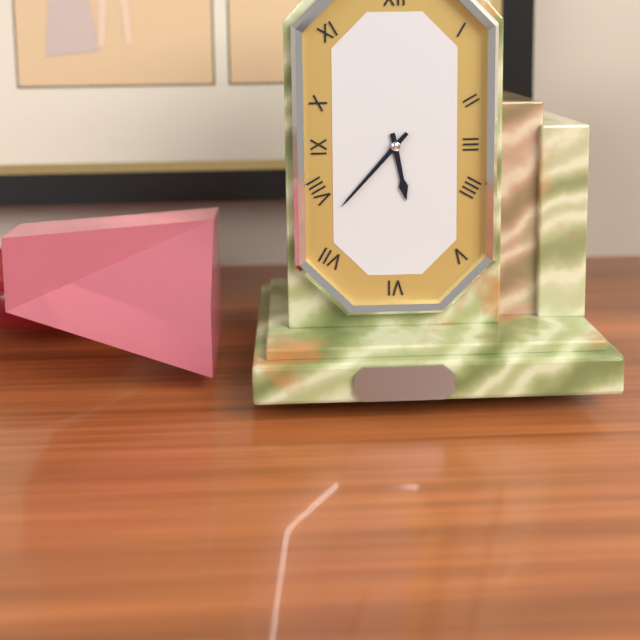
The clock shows 5 h 37 min
